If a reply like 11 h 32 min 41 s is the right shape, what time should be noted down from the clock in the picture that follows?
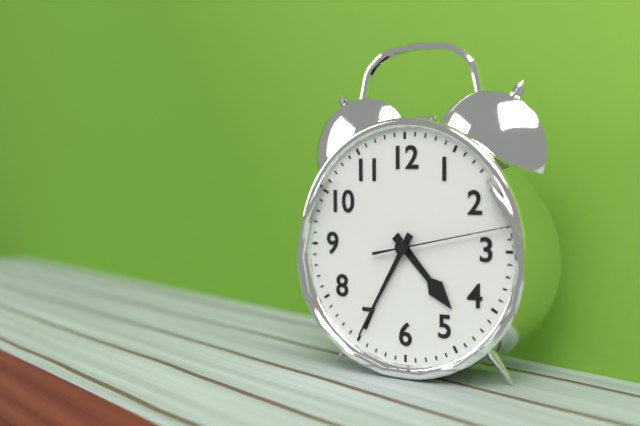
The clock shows 4 h 35 min 13 s
